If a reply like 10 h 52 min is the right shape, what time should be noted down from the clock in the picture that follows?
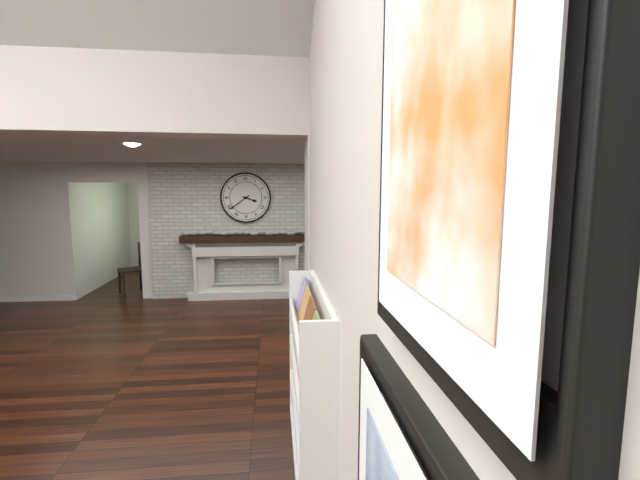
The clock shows 3 h 39 min
